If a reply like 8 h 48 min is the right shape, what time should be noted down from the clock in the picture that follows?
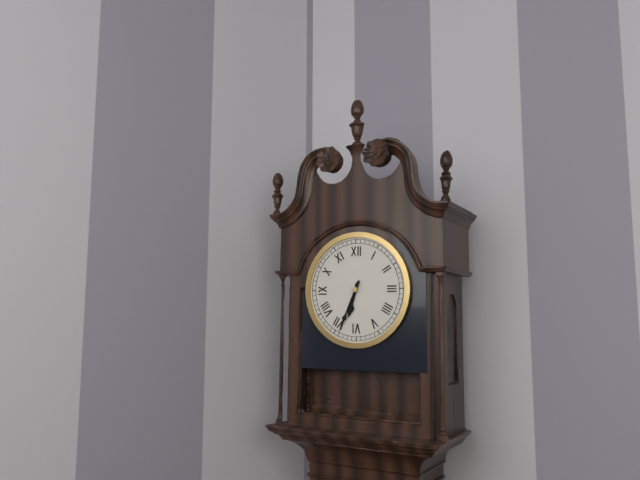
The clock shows 6 h 34 min
